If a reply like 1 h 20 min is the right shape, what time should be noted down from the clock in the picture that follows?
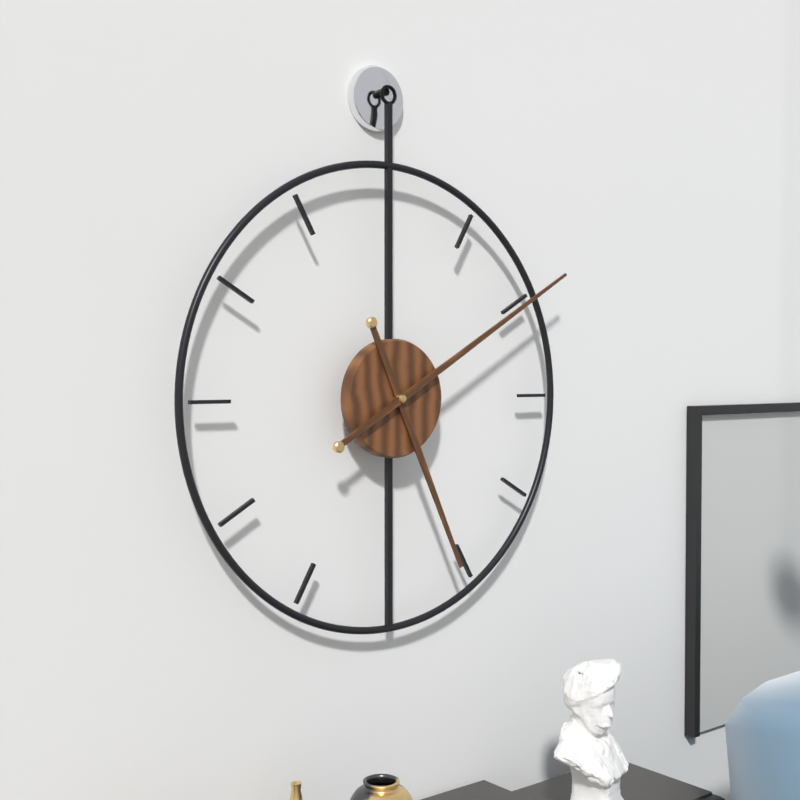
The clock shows 5 h 10 min
